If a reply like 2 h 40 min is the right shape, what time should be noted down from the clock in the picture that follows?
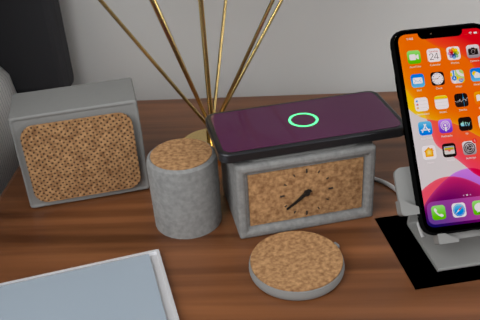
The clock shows 7 h 39 min
